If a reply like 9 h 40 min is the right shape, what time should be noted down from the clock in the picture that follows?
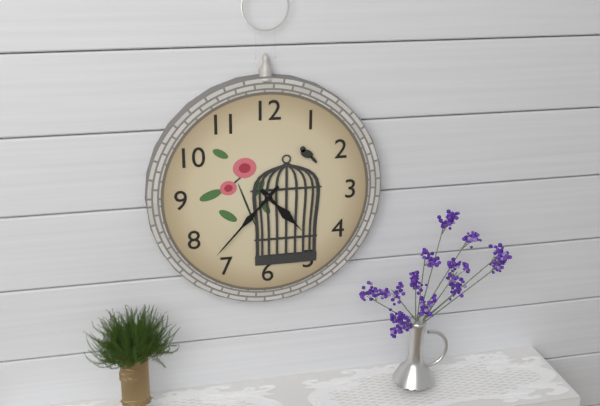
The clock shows 4 h 37 min
